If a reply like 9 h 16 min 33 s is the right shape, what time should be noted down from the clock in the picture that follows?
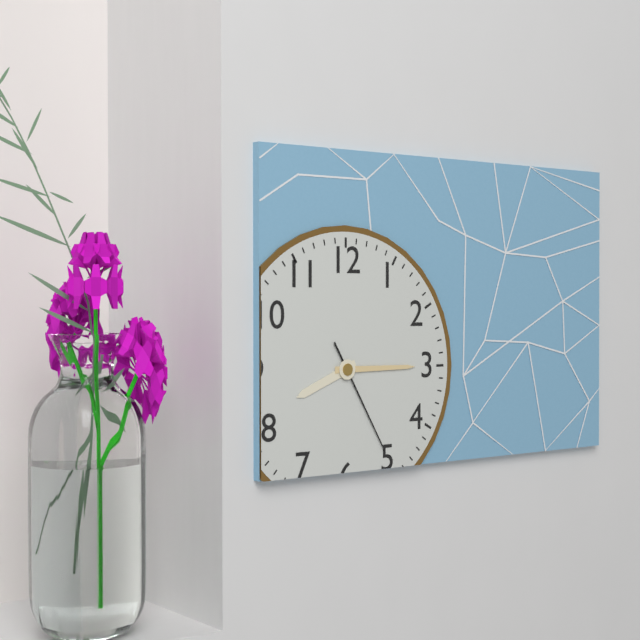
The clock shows 8 h 15 min 25 s
